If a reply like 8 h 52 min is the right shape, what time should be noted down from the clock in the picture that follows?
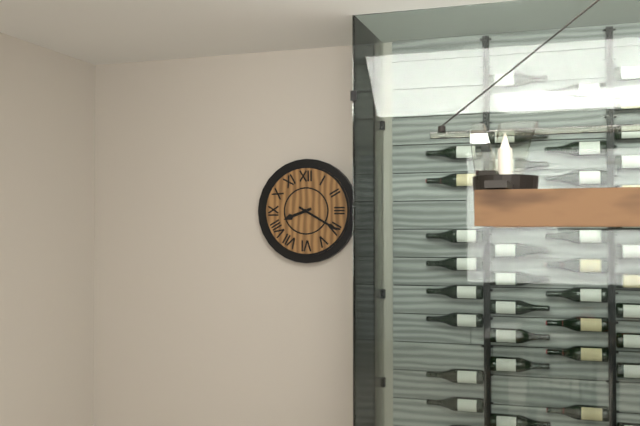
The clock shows 8 h 20 min
